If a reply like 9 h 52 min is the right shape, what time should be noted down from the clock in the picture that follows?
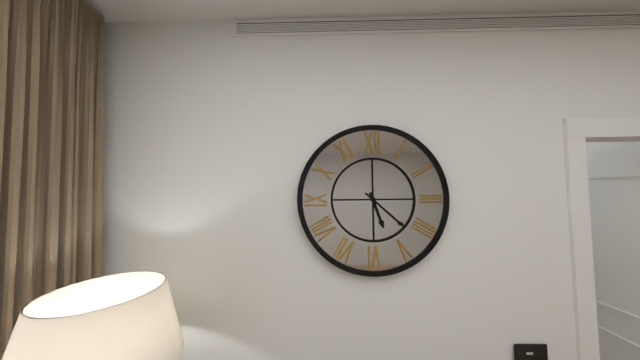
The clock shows 5 h 22 min
